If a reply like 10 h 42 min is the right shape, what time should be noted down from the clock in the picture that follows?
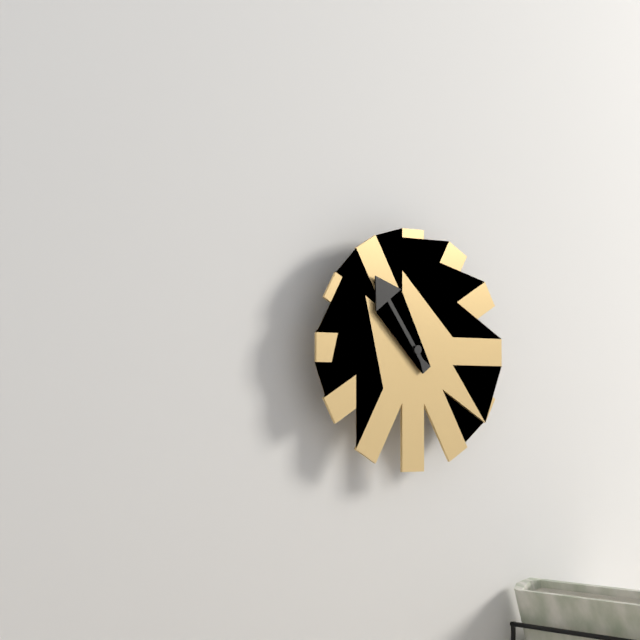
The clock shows 10 h 54 min
